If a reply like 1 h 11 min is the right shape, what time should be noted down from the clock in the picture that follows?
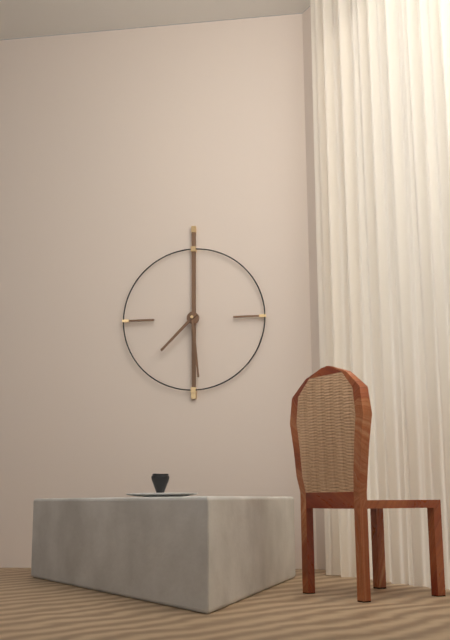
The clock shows 7 h 29 min
